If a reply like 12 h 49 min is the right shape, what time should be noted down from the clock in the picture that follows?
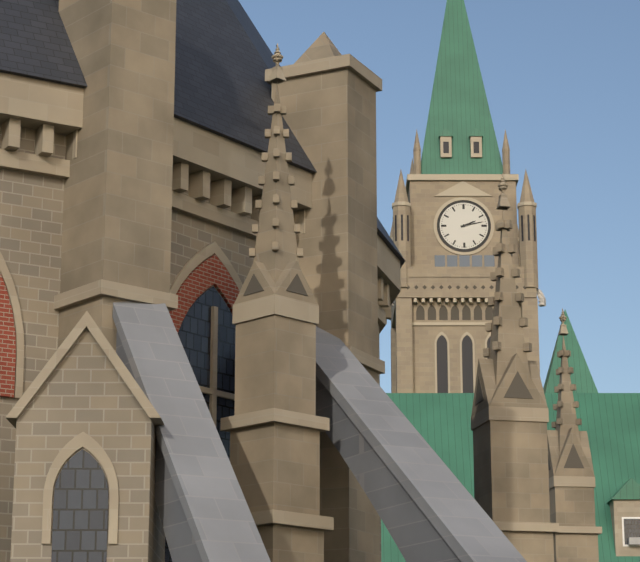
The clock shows 2 h 13 min
